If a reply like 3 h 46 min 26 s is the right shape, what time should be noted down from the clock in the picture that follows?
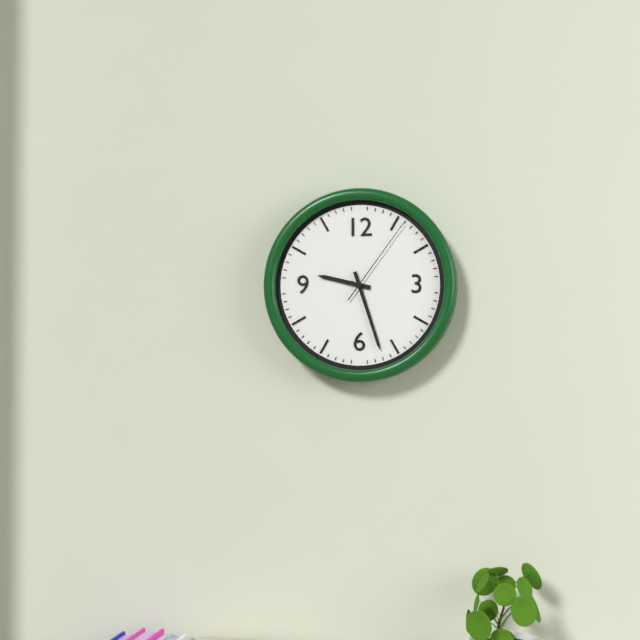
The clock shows 9 h 27 min 06 s
